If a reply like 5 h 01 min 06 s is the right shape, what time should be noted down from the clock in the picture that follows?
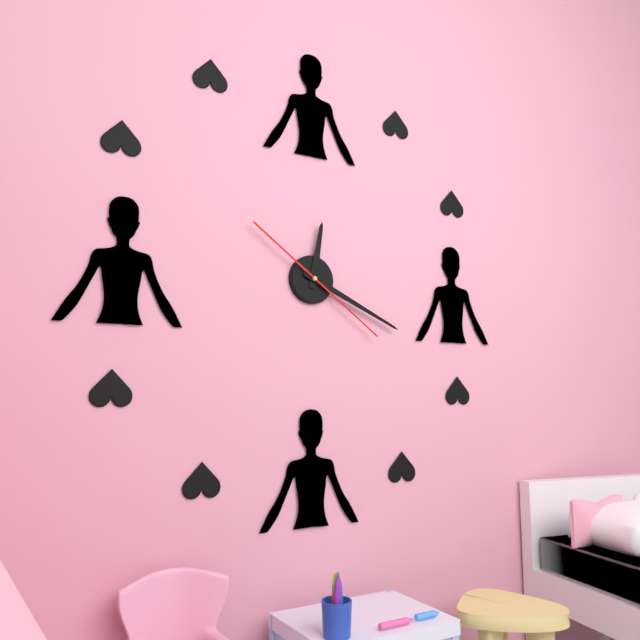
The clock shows 12 h 19 min 21 s
